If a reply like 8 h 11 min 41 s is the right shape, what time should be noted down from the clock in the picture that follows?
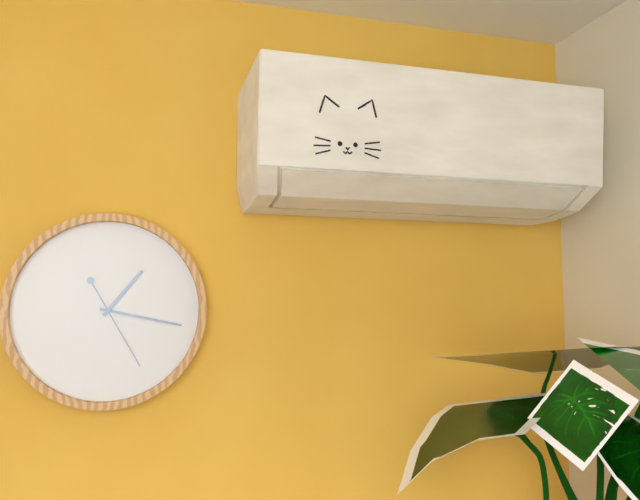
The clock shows 1 h 17 min 25 s
